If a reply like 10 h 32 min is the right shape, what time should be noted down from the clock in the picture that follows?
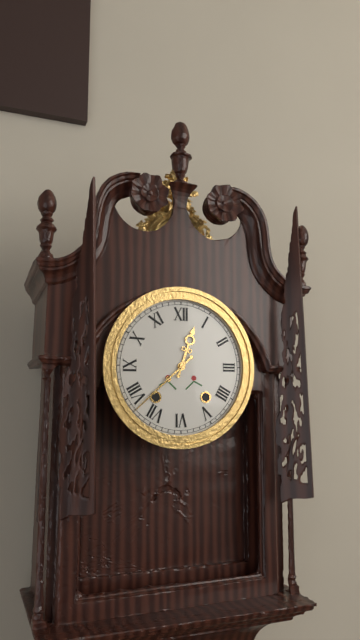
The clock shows 12 h 38 min
